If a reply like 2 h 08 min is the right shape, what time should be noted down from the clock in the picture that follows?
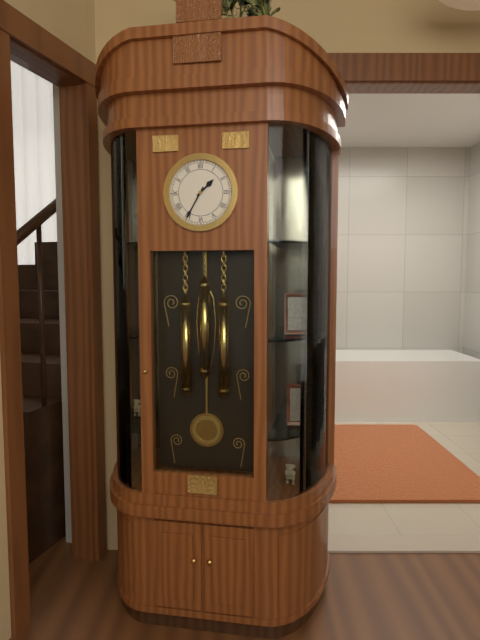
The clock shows 1 h 35 min
